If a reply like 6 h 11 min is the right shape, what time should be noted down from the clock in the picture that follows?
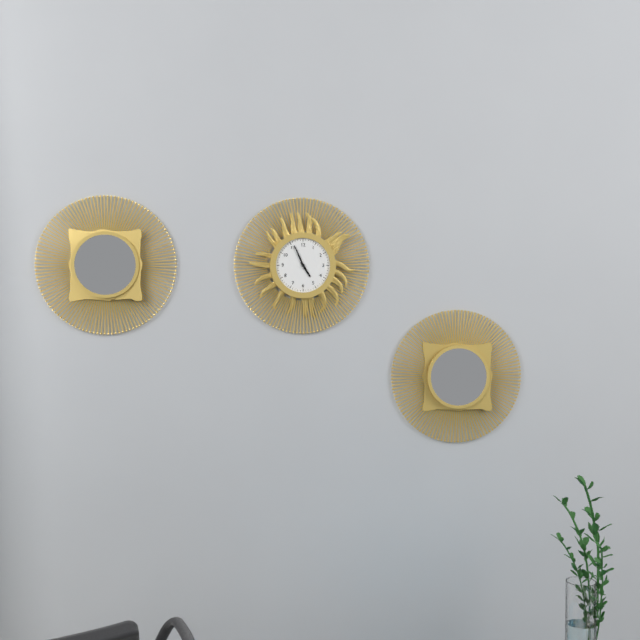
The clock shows 4 h 56 min
